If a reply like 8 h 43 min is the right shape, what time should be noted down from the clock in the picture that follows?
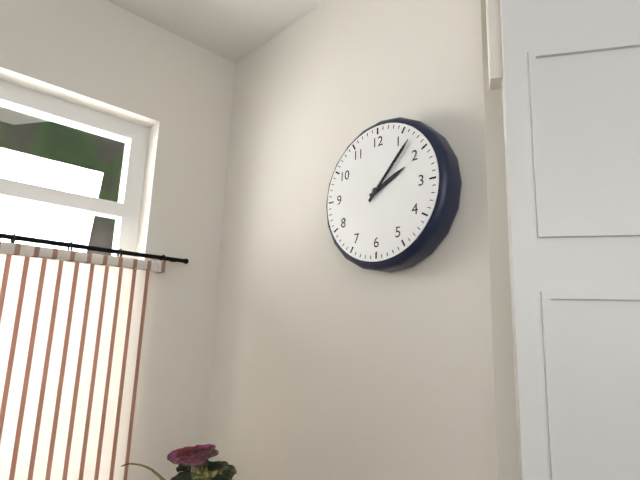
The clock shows 2 h 07 min
